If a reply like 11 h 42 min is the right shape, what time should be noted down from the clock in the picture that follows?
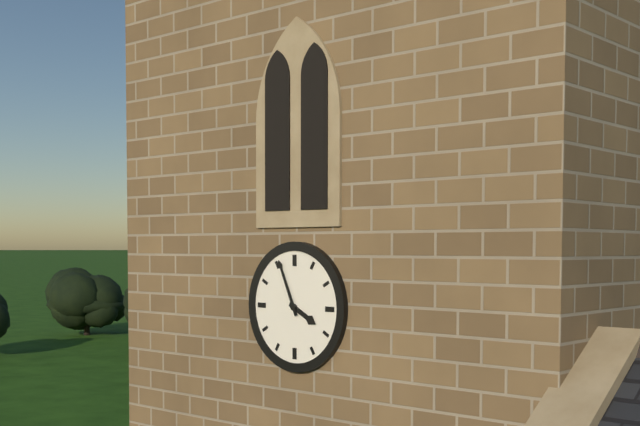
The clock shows 3 h 56 min
